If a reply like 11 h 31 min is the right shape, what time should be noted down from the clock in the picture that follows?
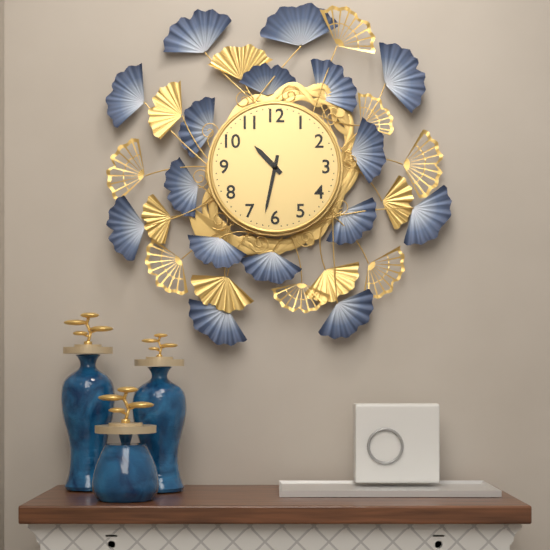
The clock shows 10 h 32 min
